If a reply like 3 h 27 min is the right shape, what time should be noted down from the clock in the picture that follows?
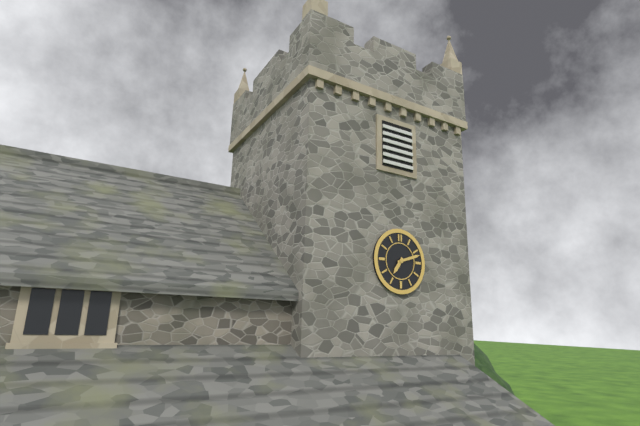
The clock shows 7 h 12 min
